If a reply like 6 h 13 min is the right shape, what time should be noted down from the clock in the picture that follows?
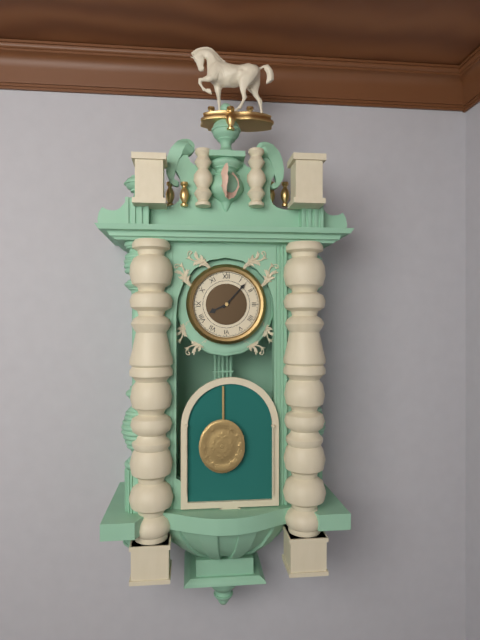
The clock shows 8 h 07 min
